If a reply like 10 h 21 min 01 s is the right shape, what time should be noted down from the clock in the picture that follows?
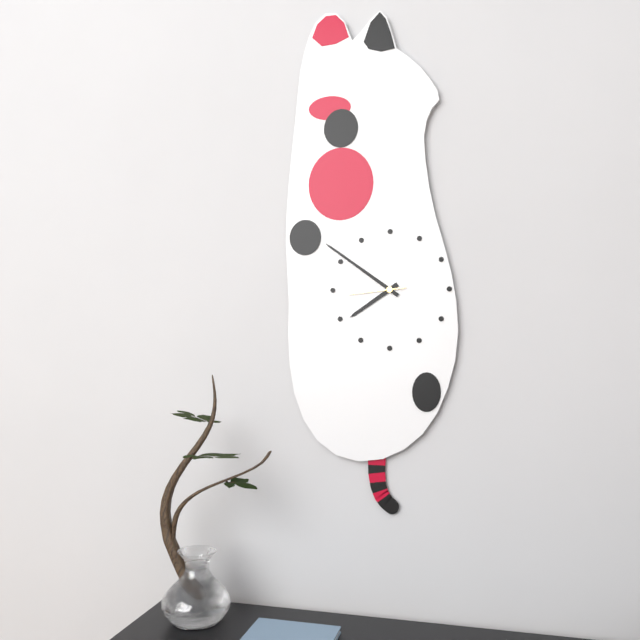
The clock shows 7 h 51 min 44 s
